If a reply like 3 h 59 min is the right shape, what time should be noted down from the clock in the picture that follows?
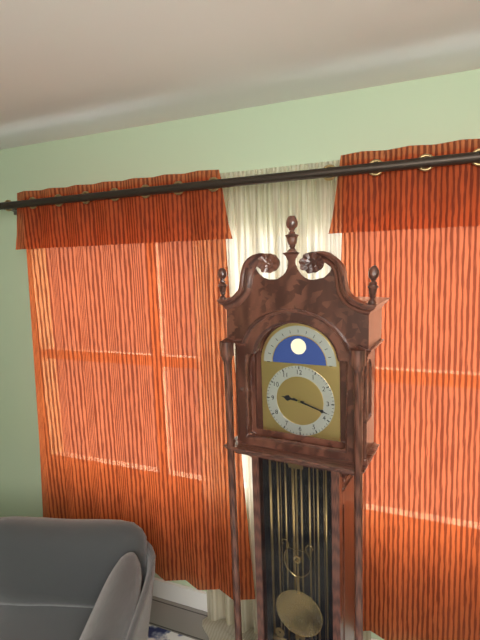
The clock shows 9 h 18 min
